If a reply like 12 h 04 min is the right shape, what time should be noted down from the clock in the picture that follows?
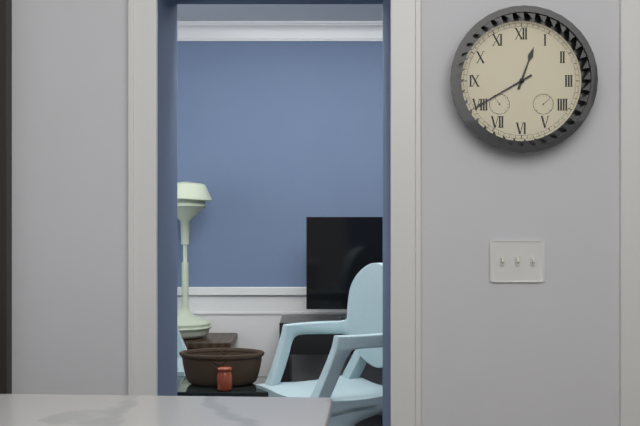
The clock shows 12 h 40 min
